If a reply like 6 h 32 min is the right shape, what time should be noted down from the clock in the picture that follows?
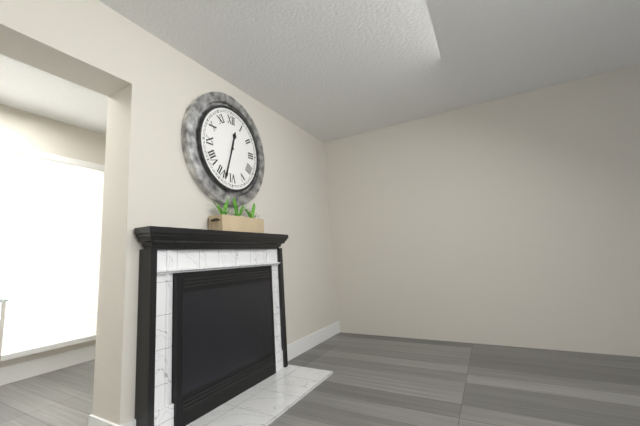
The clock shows 12 h 33 min
